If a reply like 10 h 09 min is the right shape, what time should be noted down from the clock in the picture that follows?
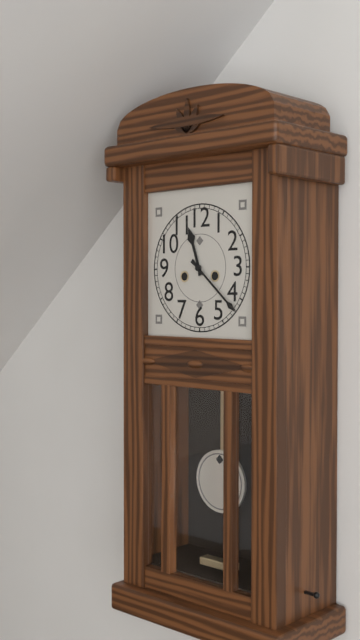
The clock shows 11 h 22 min
